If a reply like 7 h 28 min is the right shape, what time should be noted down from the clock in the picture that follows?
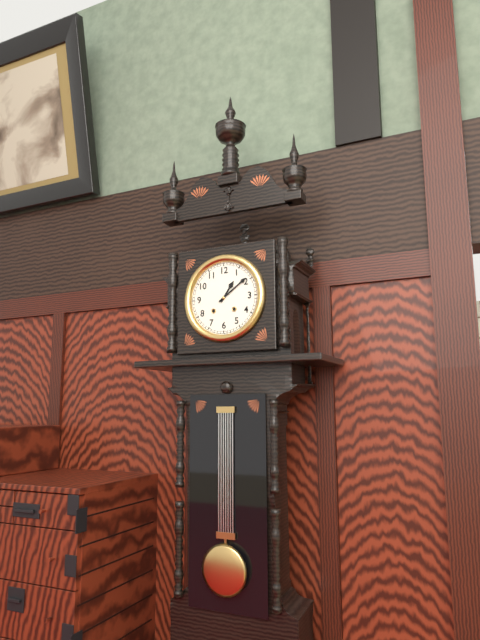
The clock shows 1 h 09 min
